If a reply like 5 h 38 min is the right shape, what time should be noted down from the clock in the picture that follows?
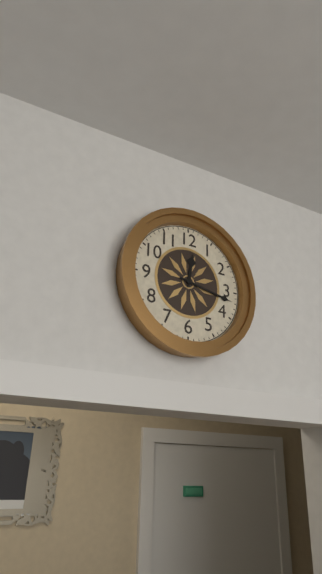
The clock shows 12 h 17 min
